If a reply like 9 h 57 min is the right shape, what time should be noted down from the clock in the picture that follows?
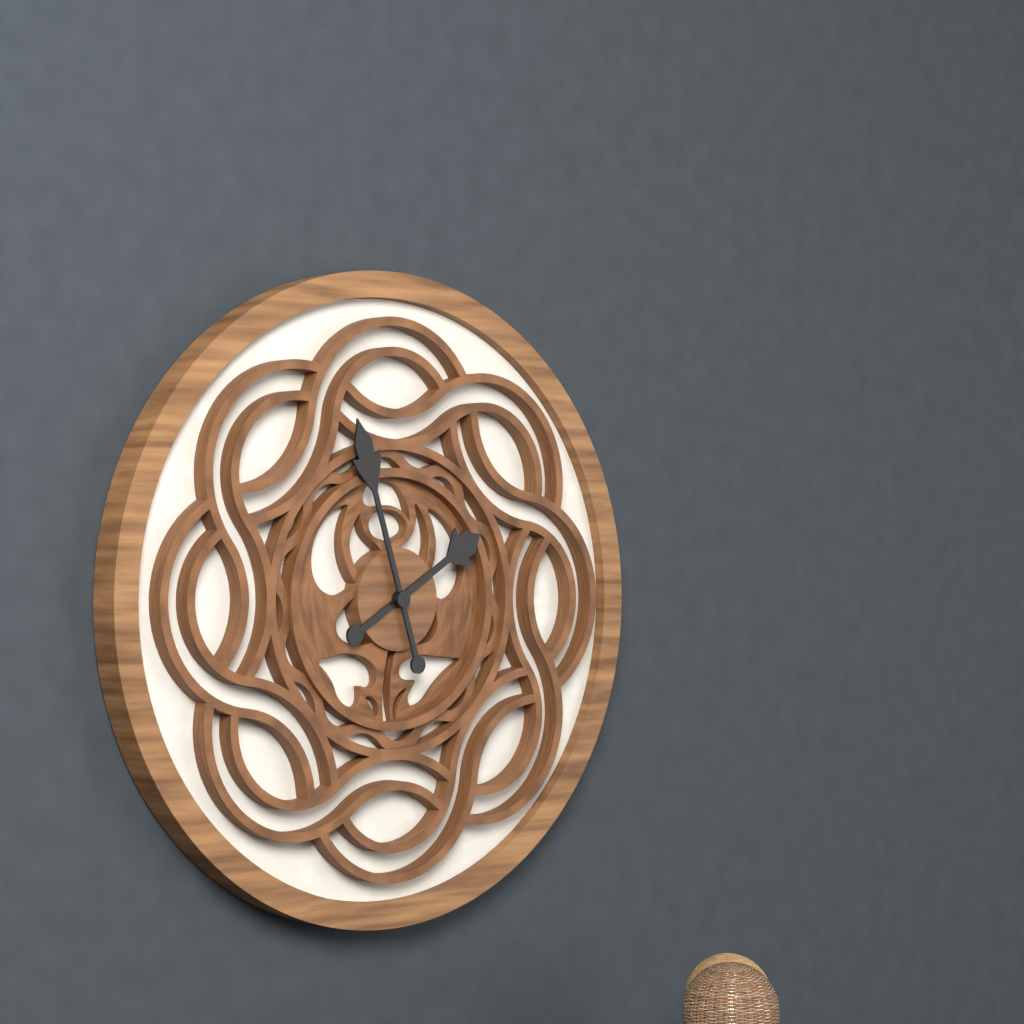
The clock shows 1 h 57 min
